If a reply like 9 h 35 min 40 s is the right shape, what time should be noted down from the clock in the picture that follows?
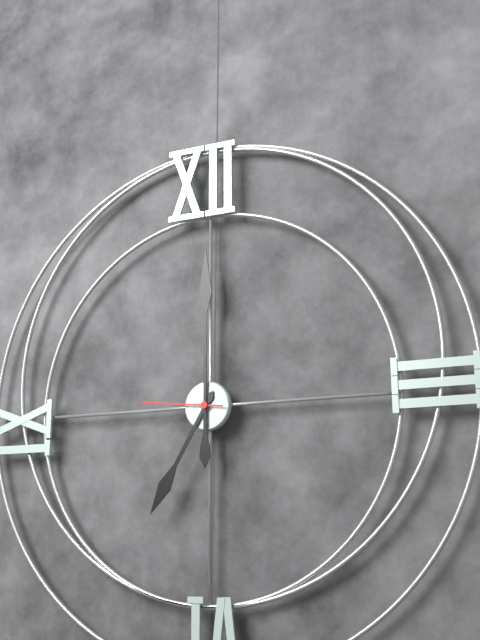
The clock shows 7 h 00 min 46 s
